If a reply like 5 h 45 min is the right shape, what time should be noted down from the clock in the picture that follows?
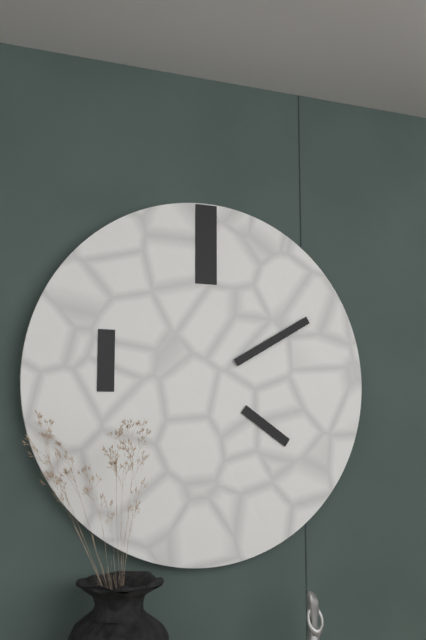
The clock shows 4 h 10 min
